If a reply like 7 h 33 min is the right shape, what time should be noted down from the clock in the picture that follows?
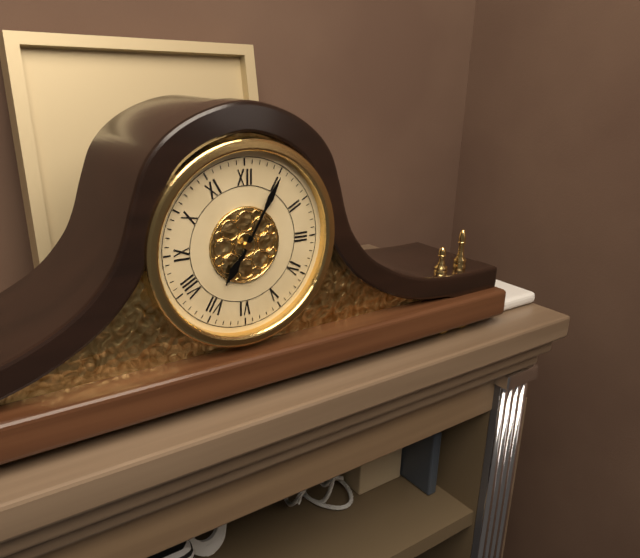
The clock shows 7 h 05 min
